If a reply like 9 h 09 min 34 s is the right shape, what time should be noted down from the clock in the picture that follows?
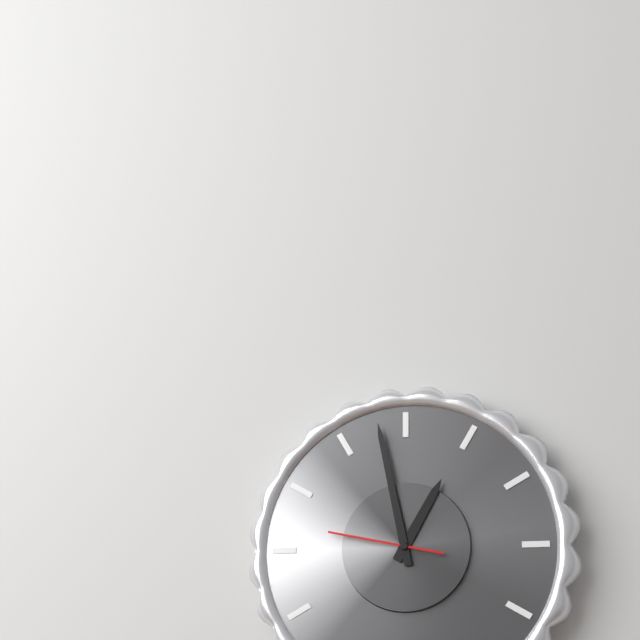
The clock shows 12 h 58 min 47 s
